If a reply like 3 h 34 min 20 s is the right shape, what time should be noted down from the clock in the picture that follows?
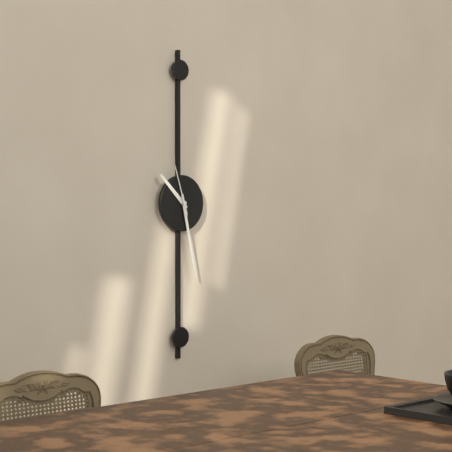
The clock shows 10 h 28 min 57 s
